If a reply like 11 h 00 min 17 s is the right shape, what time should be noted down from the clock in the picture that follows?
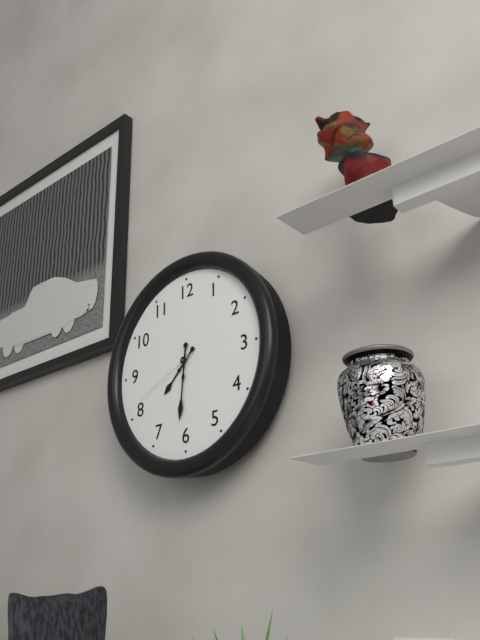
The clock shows 7 h 31 min 41 s
